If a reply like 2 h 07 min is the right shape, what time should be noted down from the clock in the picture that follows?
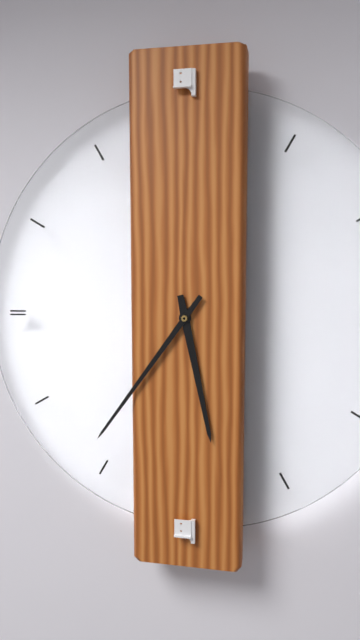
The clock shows 5 h 36 min
